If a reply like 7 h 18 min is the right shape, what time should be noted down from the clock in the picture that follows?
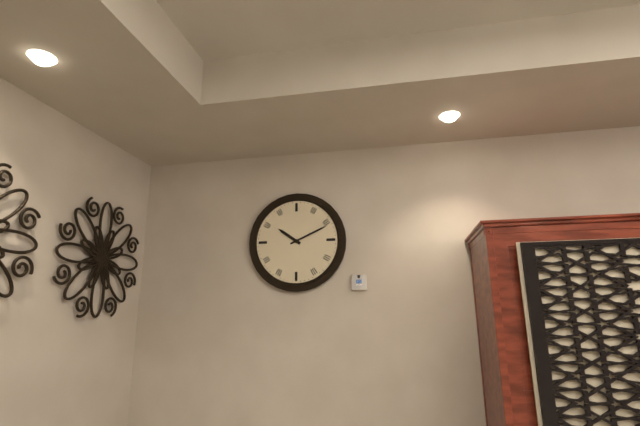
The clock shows 10 h 11 min
